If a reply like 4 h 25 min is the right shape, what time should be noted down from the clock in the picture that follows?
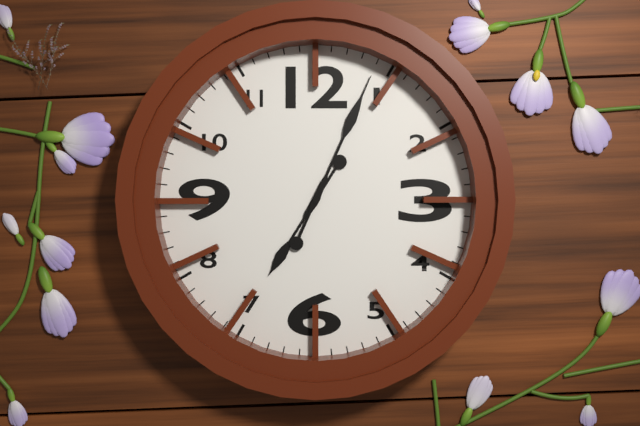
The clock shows 7 h 04 min
